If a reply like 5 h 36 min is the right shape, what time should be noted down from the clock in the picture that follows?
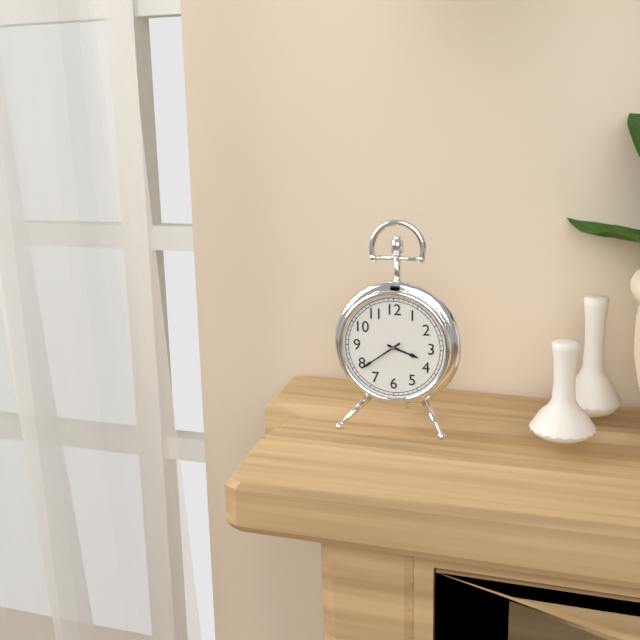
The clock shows 3 h 39 min
